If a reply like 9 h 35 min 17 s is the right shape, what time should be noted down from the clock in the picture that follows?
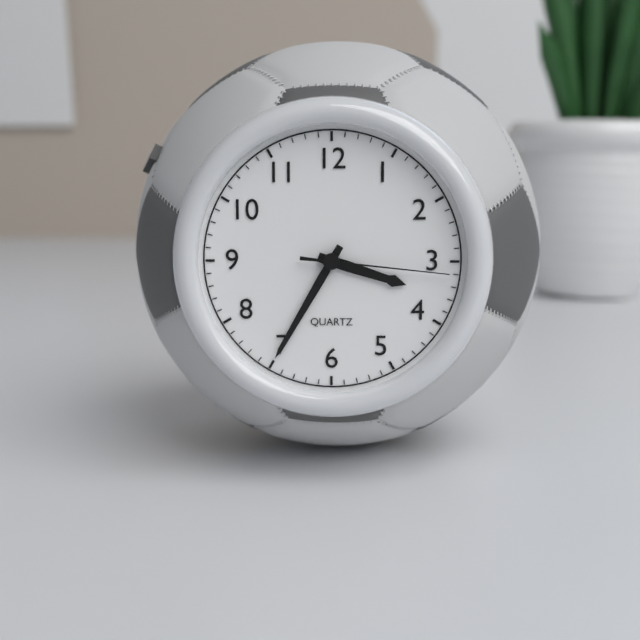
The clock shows 3 h 35 min 16 s
